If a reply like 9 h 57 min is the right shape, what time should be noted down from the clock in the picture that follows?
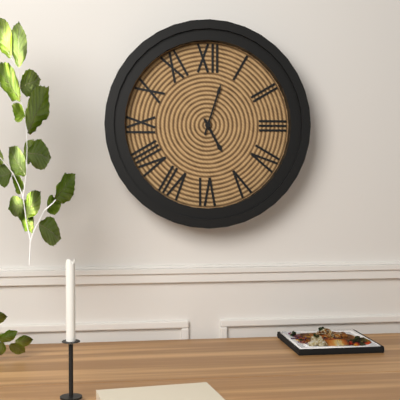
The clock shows 5 h 03 min
